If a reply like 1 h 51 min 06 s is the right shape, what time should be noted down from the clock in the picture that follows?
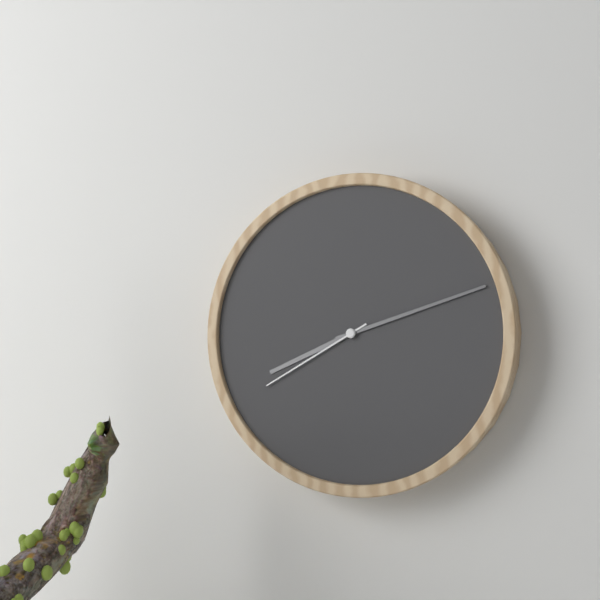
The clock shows 8 h 12 min 40 s
